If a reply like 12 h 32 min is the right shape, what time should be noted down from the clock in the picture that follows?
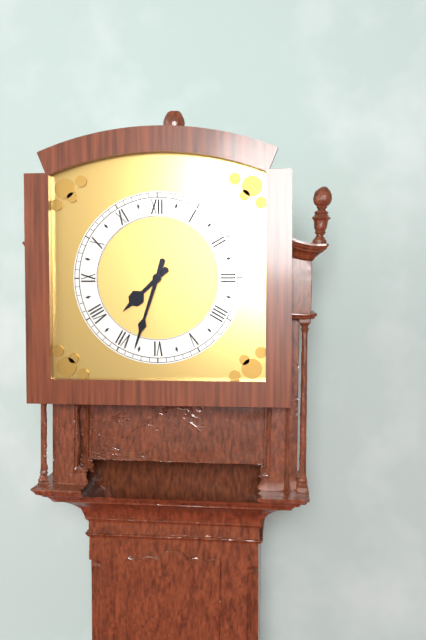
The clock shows 7 h 33 min
